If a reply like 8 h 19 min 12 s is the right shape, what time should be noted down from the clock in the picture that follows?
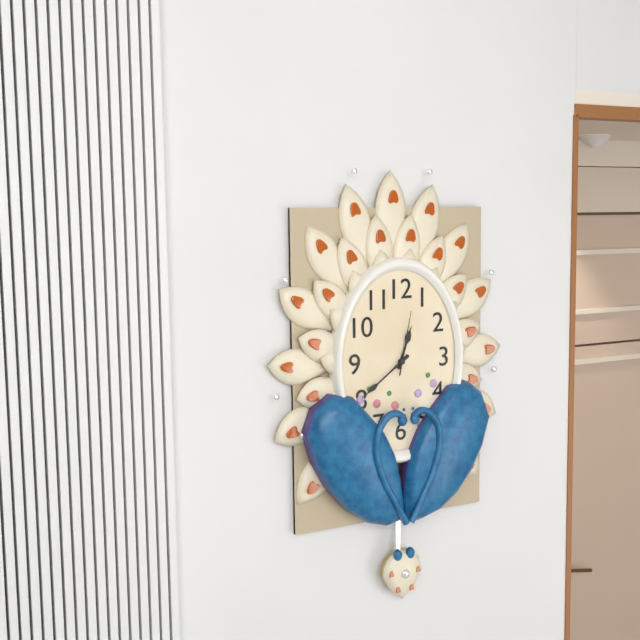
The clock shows 12 h 39 min 02 s
